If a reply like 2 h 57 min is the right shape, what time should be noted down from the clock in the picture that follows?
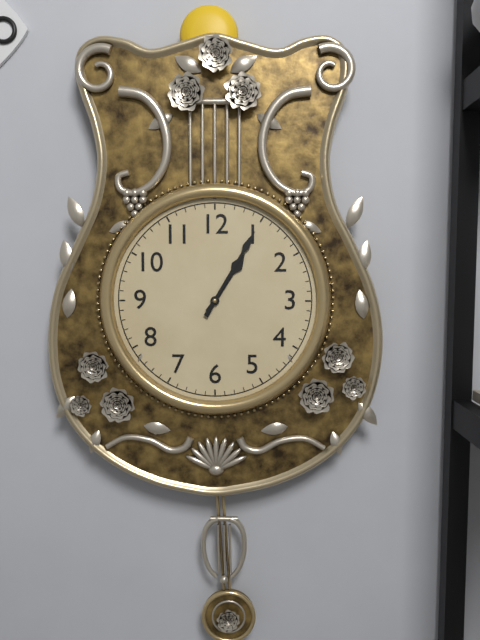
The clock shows 1 h 05 min
